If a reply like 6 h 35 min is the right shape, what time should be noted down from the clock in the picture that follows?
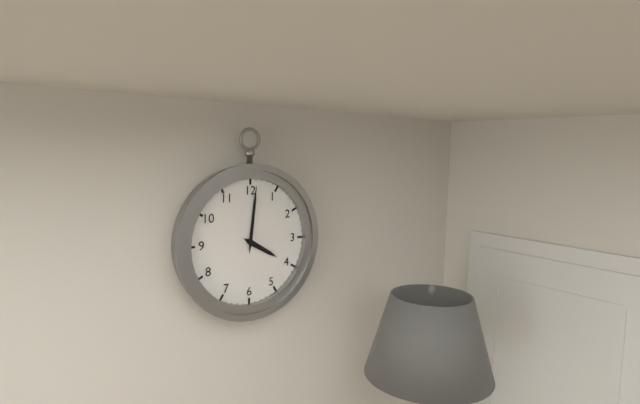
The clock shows 4 h 01 min
